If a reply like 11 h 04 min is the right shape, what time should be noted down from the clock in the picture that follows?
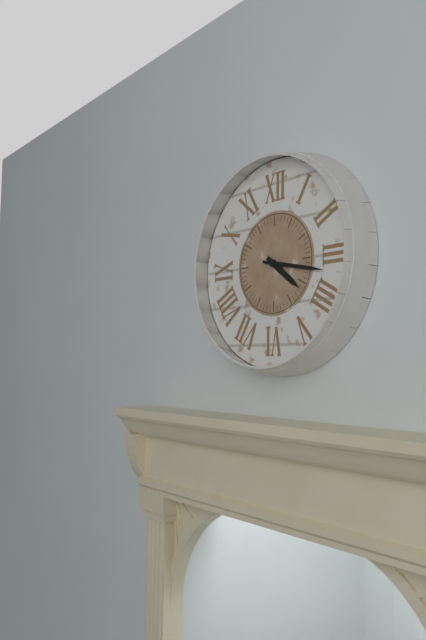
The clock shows 4 h 17 min
